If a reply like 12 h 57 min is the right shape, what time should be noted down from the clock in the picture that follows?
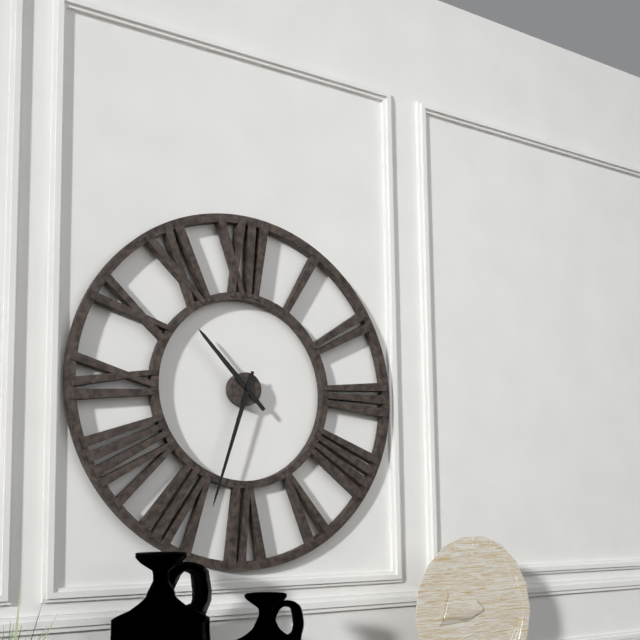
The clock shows 10 h 33 min
